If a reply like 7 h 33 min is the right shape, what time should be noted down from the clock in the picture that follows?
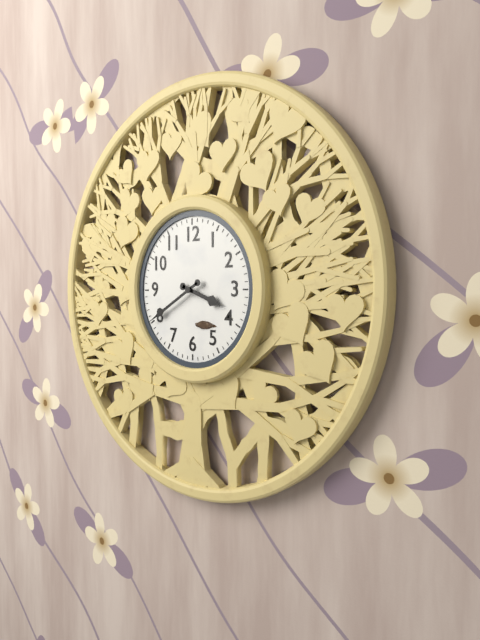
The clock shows 3 h 40 min
